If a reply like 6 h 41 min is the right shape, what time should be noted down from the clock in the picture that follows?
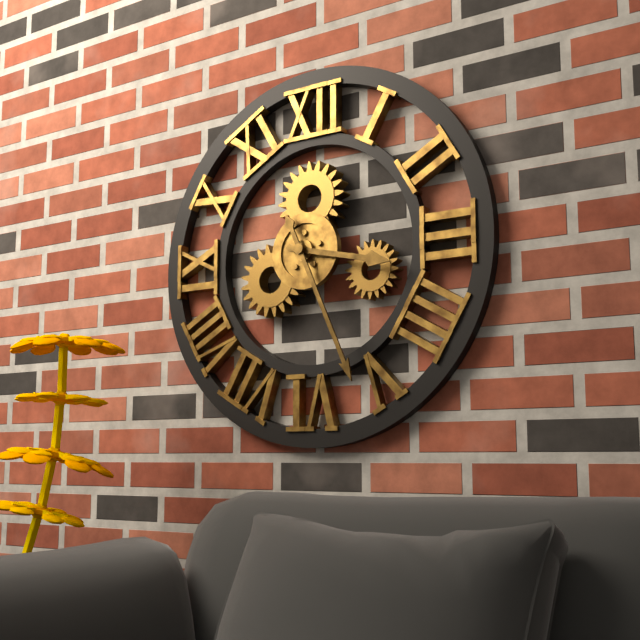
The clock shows 3 h 26 min
